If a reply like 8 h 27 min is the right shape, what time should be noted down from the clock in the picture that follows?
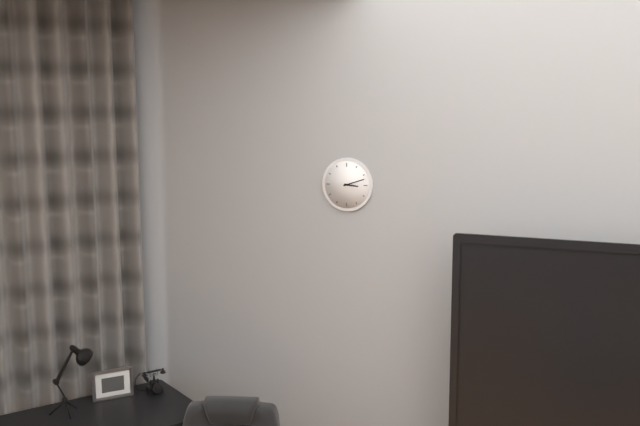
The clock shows 3 h 12 min
